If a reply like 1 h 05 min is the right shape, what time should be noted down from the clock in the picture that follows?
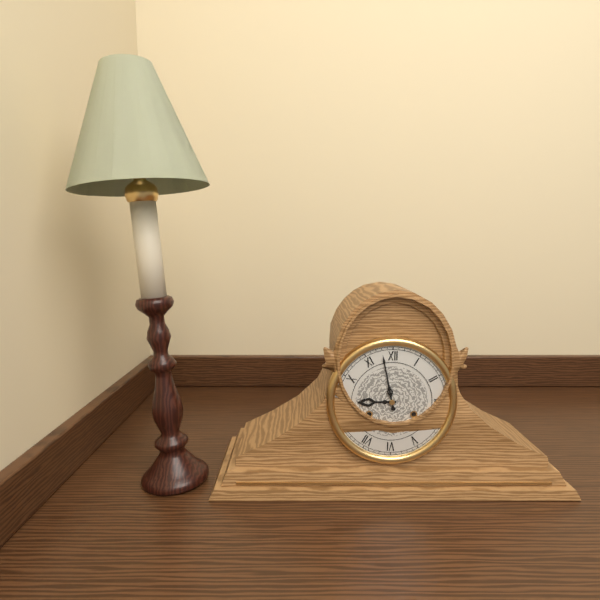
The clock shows 8 h 58 min
